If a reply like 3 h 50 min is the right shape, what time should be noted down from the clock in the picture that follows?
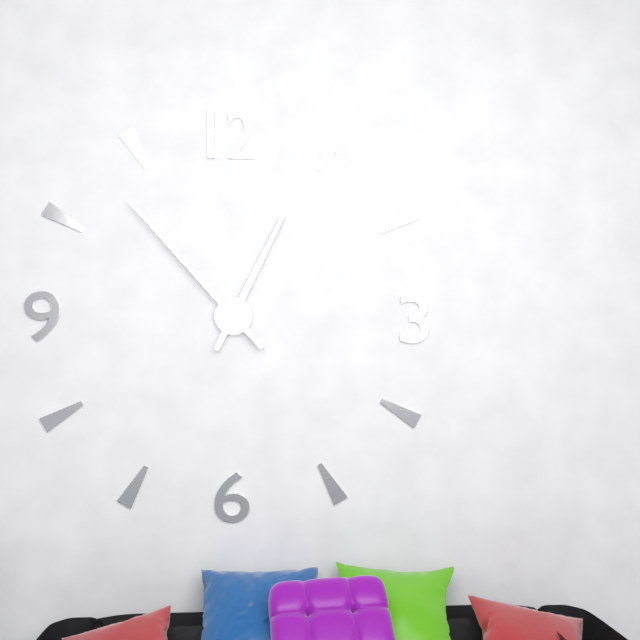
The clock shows 12 h 53 min
